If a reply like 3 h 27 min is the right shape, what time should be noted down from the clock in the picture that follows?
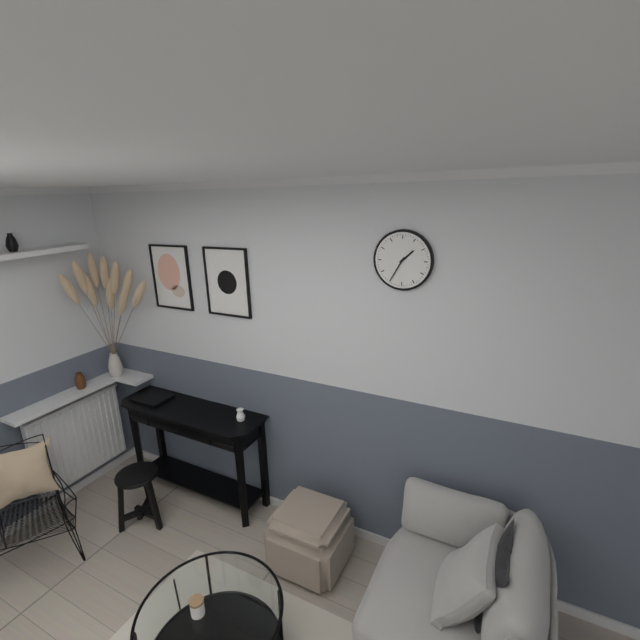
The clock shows 1 h 35 min
